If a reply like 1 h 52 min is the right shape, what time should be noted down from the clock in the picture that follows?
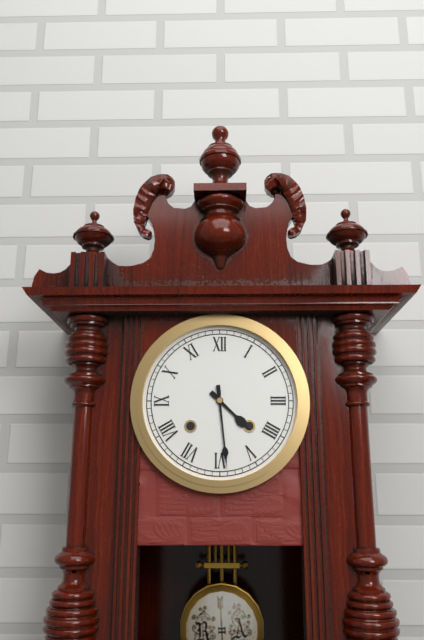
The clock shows 4 h 29 min
